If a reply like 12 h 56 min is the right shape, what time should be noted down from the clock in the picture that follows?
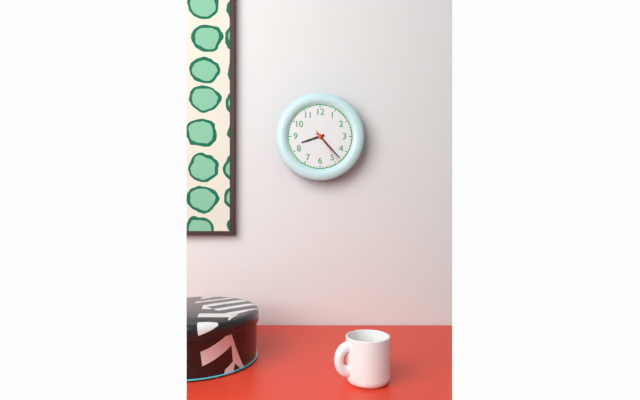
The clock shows 8 h 23 min
